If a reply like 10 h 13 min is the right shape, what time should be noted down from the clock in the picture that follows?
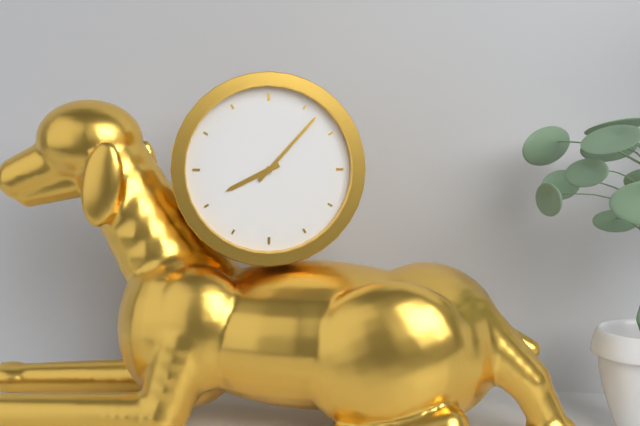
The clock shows 8 h 07 min
